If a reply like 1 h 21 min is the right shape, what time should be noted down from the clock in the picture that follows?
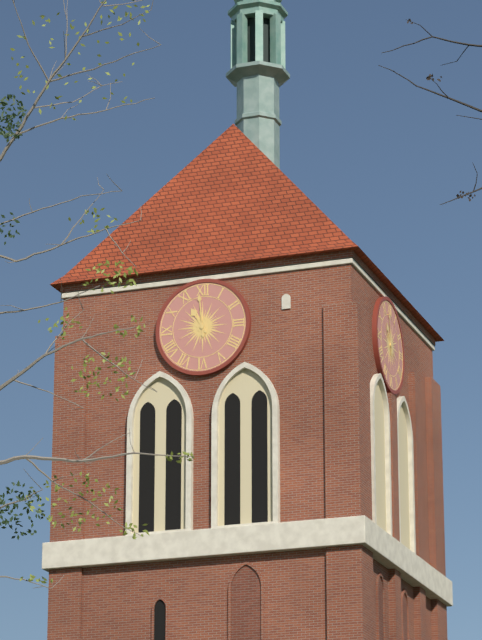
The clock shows 10 h 59 min
